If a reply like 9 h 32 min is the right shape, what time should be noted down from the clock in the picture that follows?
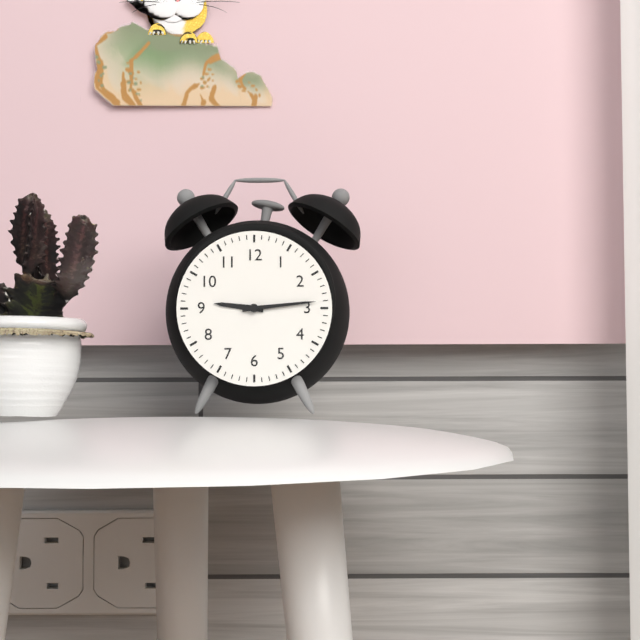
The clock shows 9 h 14 min
